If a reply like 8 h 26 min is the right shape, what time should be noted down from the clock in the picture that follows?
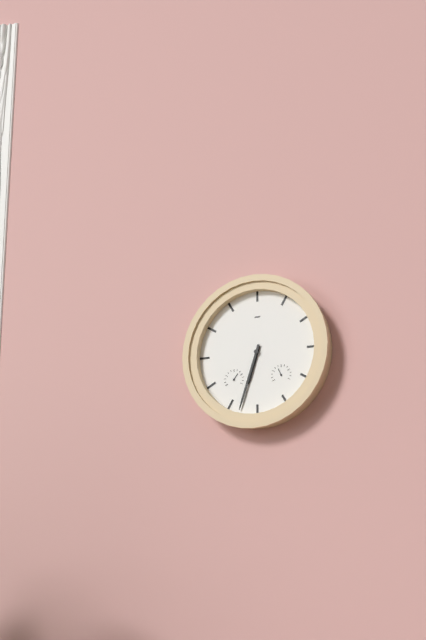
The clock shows 6 h 33 min
